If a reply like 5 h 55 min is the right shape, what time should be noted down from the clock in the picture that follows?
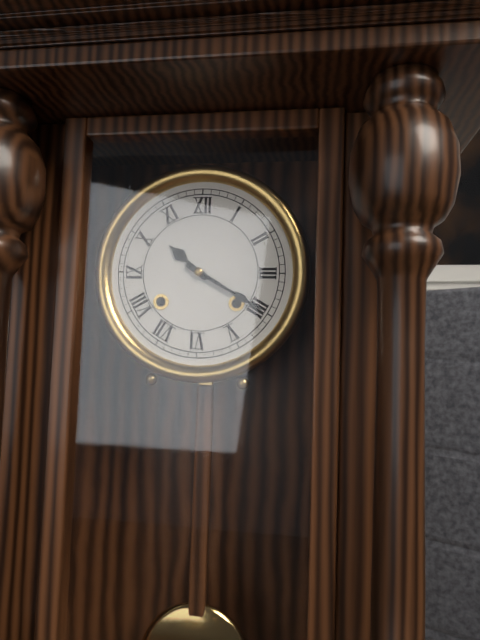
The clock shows 10 h 20 min
